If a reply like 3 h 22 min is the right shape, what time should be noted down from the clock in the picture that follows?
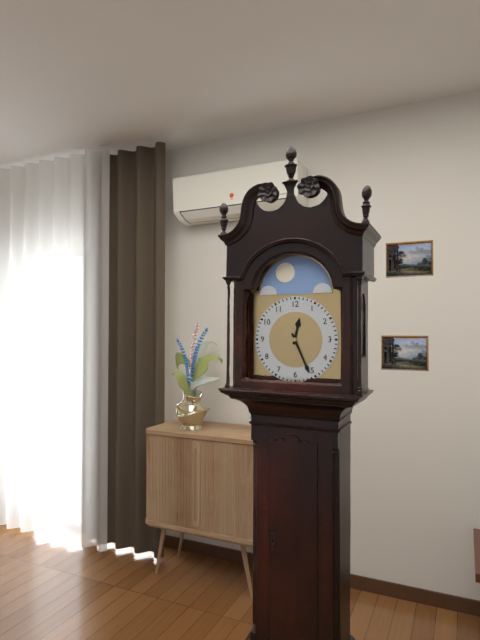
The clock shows 12 h 26 min
